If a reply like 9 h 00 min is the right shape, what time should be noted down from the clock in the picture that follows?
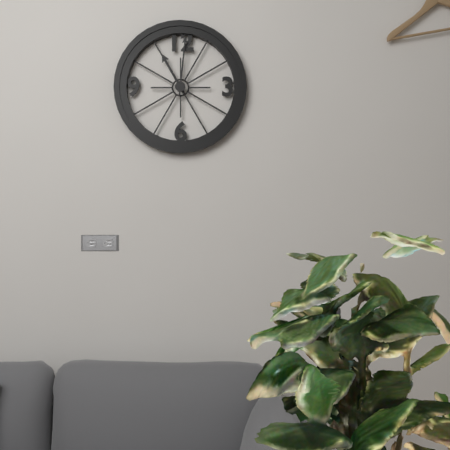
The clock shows 11 h 01 min
